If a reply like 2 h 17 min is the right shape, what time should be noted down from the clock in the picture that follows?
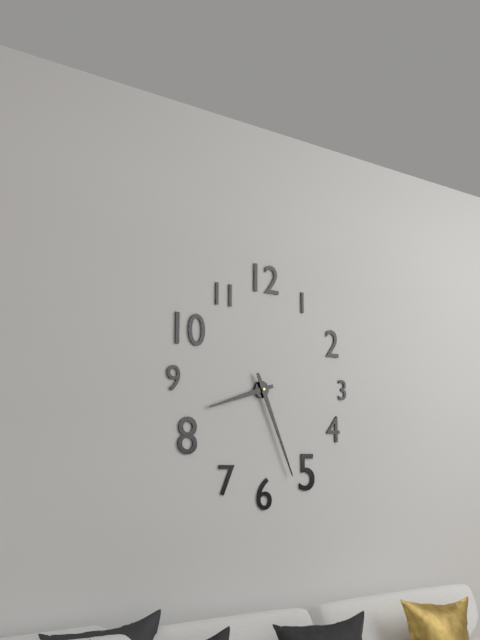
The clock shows 8 h 26 min
